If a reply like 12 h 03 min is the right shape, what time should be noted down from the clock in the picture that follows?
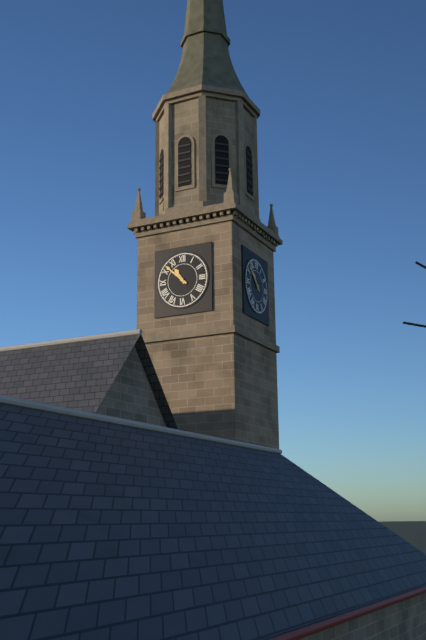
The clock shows 10 h 52 min
